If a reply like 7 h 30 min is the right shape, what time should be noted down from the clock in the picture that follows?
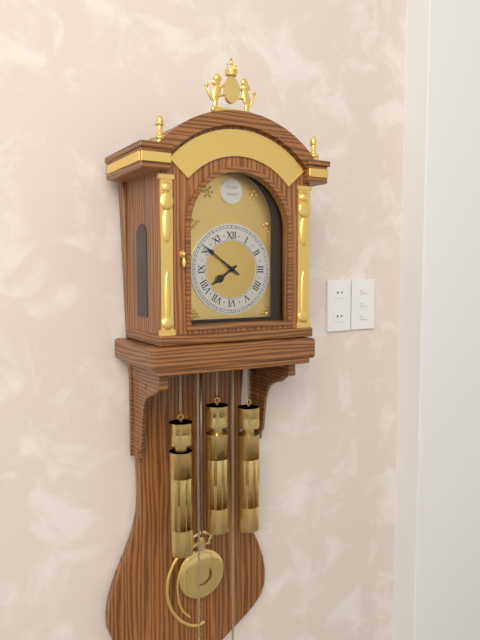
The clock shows 7 h 51 min
